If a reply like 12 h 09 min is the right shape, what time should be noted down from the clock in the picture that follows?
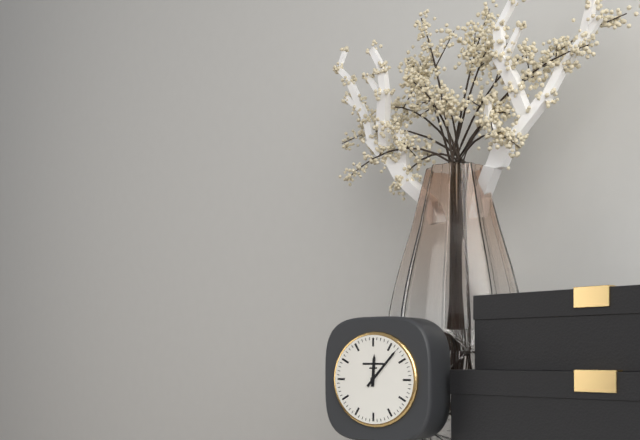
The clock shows 12 h 07 min
